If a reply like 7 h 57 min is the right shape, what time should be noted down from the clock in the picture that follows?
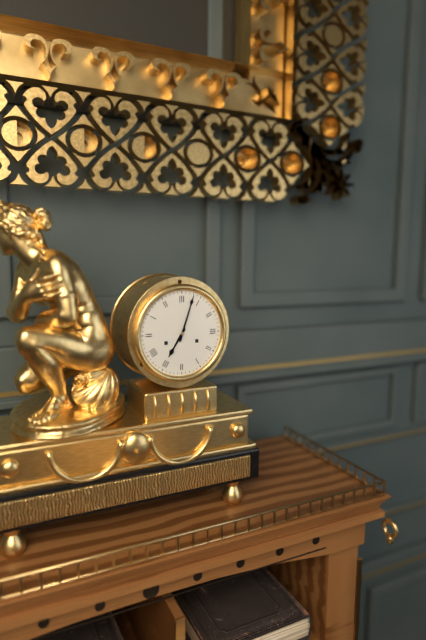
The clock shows 7 h 03 min
